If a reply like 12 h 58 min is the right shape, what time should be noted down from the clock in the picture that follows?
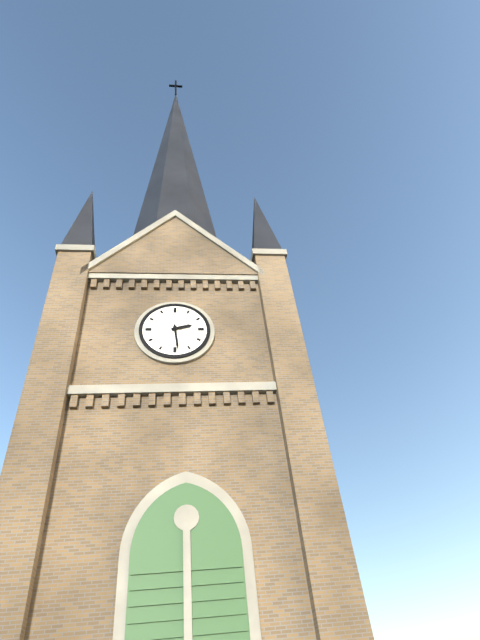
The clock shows 2 h 29 min
